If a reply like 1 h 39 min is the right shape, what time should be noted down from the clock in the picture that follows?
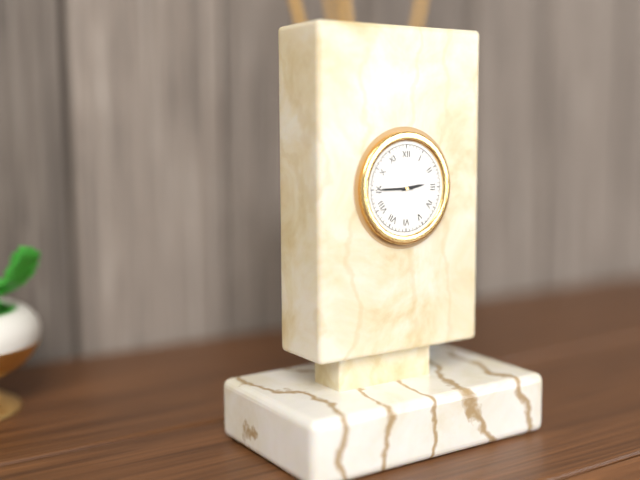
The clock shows 2 h 45 min
